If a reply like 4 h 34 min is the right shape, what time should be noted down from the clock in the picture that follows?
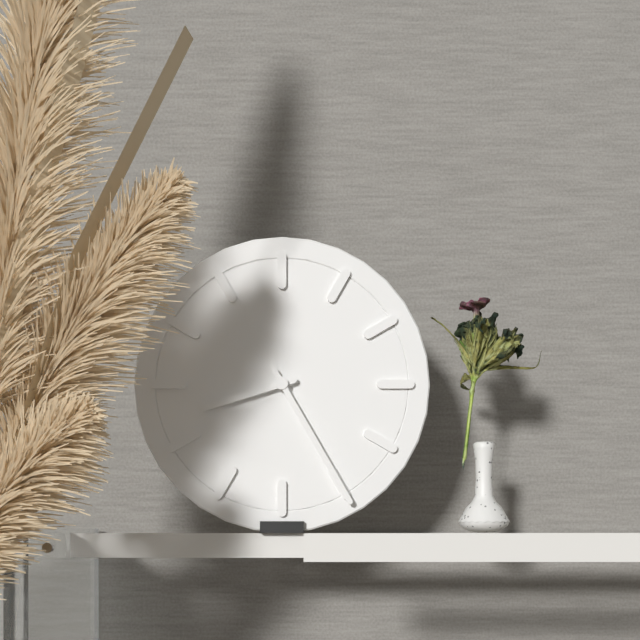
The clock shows 8 h 25 min
